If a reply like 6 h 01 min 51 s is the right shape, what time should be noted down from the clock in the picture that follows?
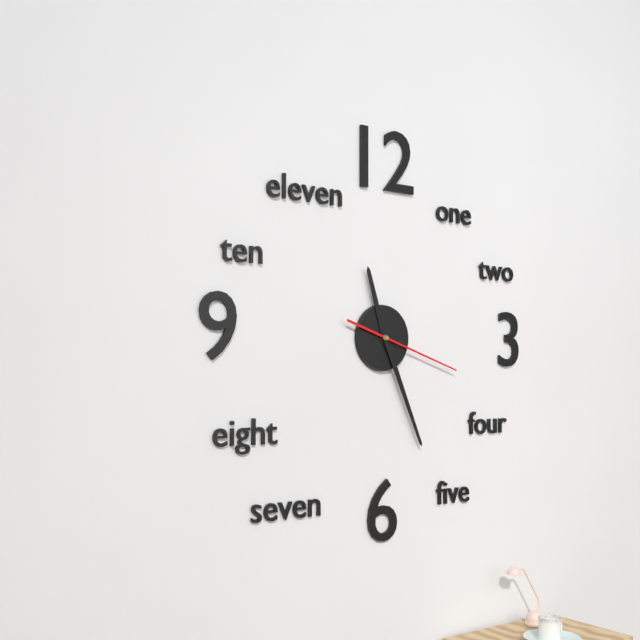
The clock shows 11 h 26 min 18 s
